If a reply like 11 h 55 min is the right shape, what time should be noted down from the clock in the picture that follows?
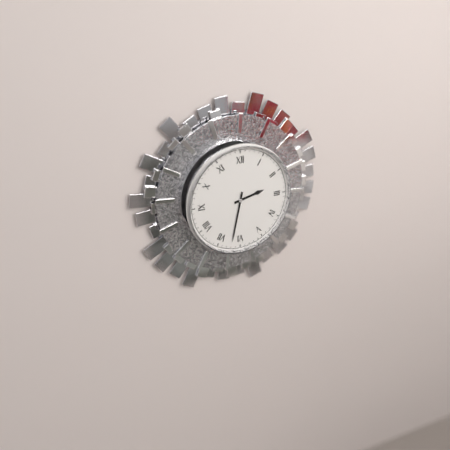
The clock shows 2 h 32 min
